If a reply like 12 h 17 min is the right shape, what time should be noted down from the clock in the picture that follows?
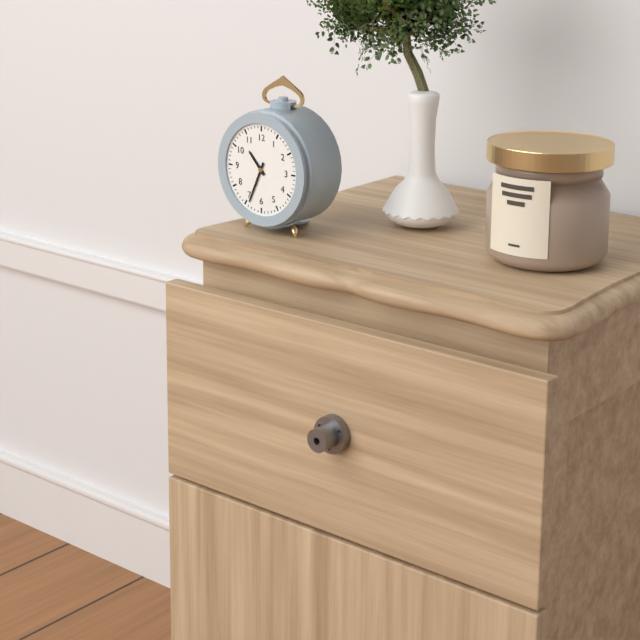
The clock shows 10 h 34 min
